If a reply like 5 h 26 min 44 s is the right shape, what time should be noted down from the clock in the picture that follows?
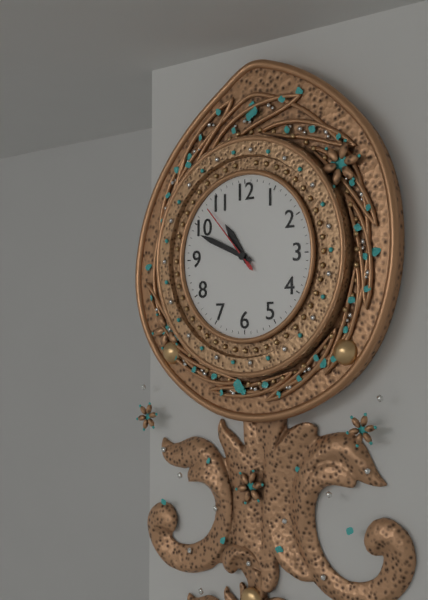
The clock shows 10 h 49 min 53 s
